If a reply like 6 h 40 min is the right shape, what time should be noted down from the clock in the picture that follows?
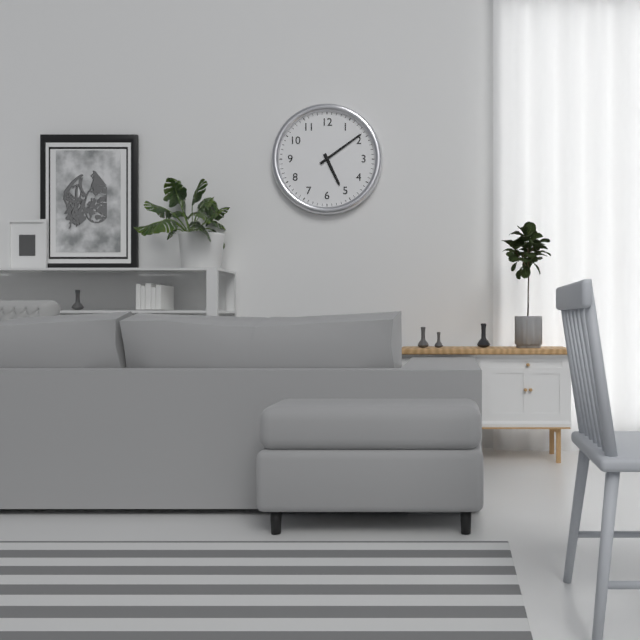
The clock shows 5 h 09 min
